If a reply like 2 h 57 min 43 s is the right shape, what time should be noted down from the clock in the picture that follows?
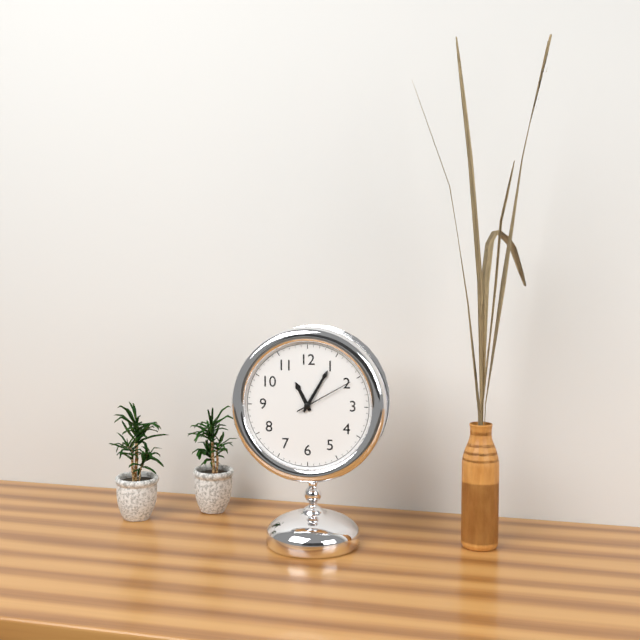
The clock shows 11 h 05 min 10 s
